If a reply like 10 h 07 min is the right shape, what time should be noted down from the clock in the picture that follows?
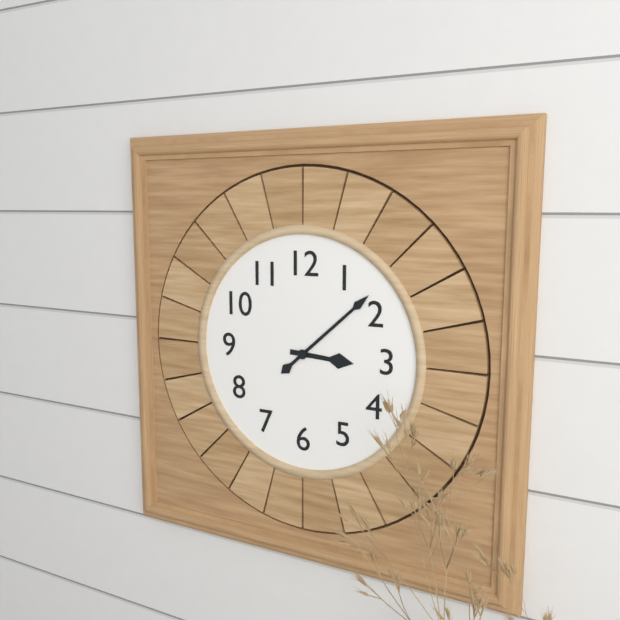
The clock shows 3 h 08 min
